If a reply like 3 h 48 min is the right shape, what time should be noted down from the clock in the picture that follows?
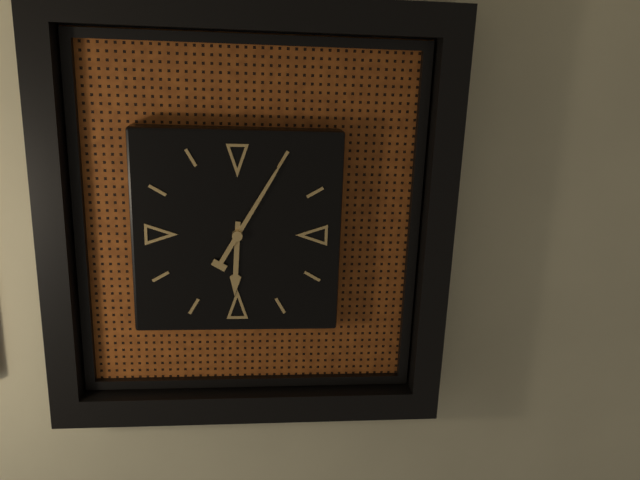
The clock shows 6 h 05 min
